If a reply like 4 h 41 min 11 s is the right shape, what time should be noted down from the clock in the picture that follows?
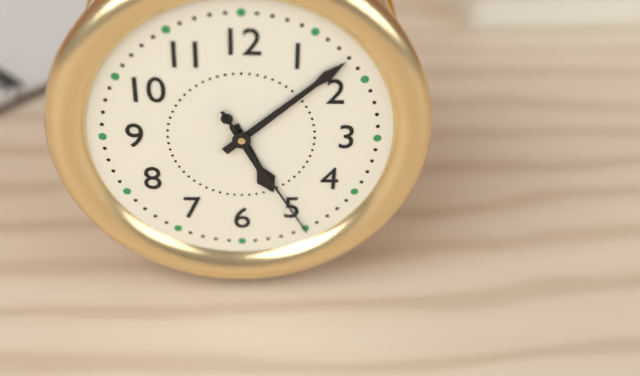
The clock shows 5 h 08 min 25 s
